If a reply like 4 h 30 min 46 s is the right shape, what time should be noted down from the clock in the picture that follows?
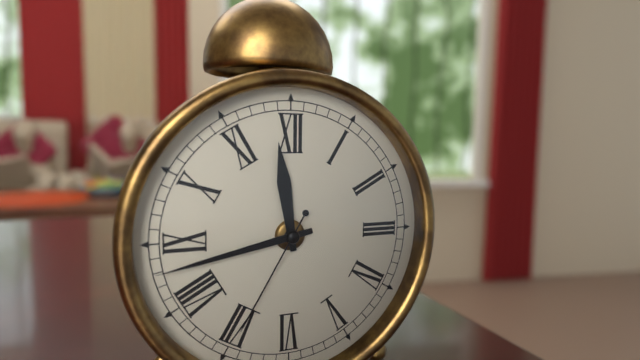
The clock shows 11 h 43 min 35 s
